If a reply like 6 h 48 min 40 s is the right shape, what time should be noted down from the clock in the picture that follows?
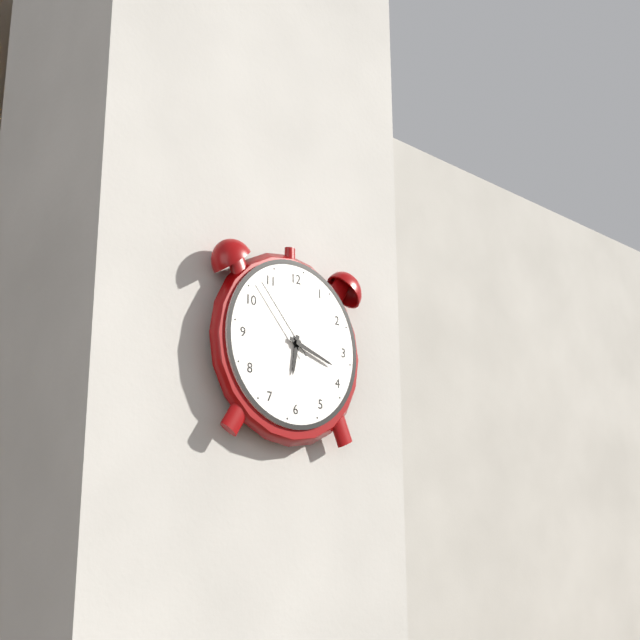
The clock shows 6 h 18 min 53 s
